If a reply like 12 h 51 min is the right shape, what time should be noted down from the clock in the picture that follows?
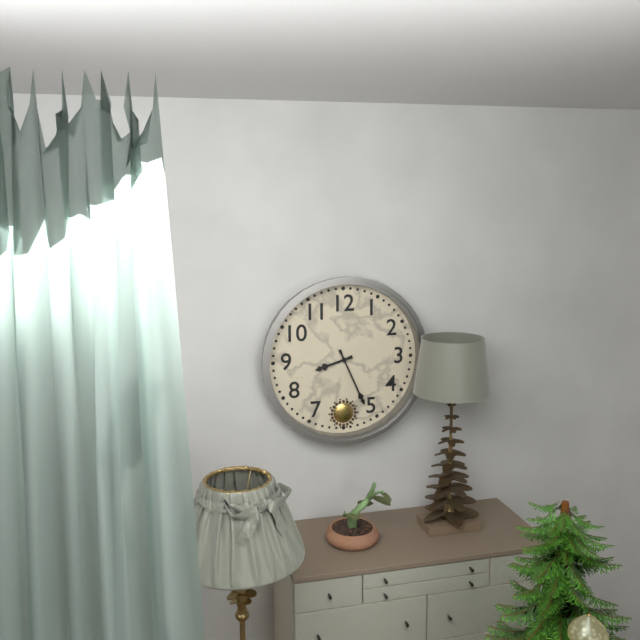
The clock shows 8 h 26 min
